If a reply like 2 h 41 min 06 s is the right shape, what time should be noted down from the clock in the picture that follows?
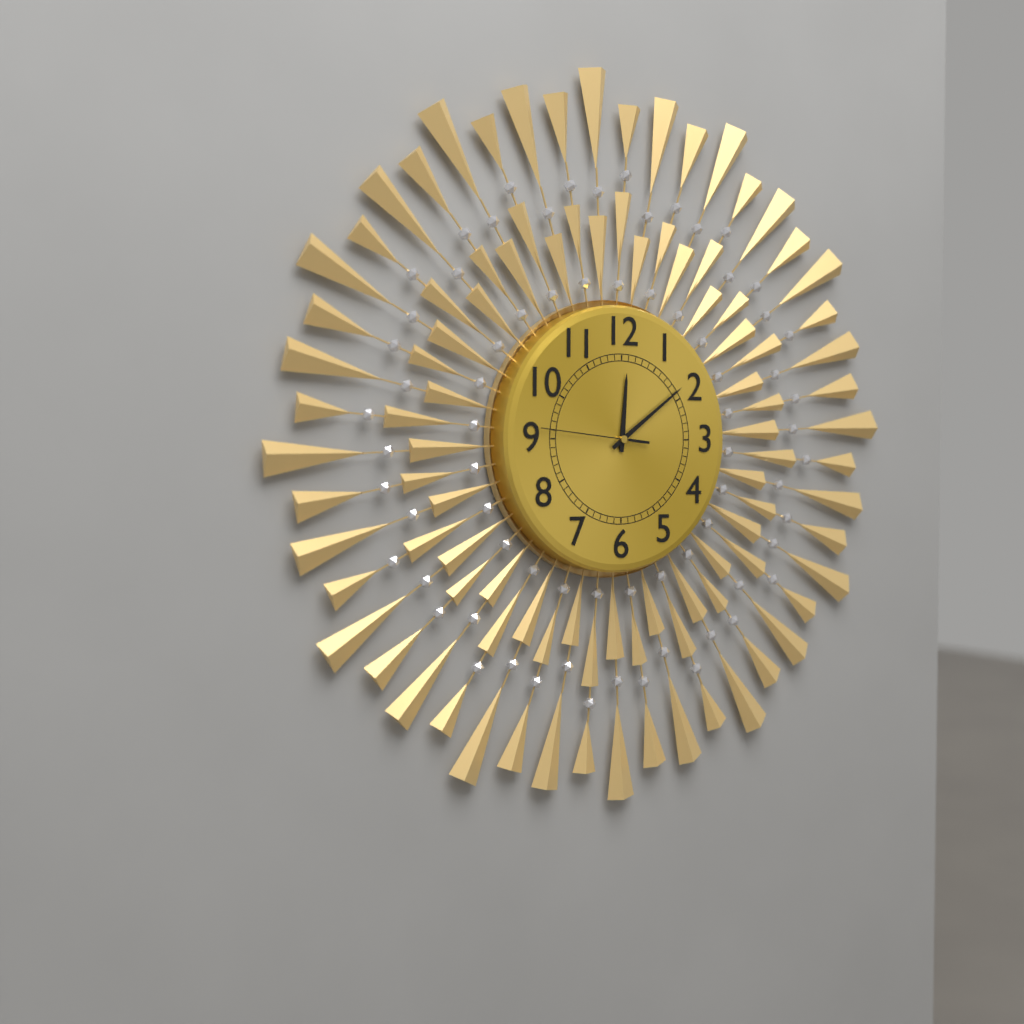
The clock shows 12 h 09 min 46 s
